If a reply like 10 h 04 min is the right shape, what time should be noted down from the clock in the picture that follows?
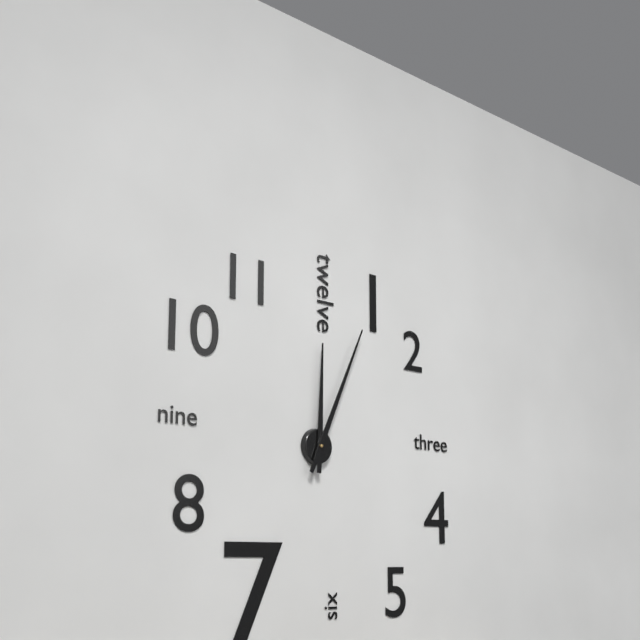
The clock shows 12 h 04 min
